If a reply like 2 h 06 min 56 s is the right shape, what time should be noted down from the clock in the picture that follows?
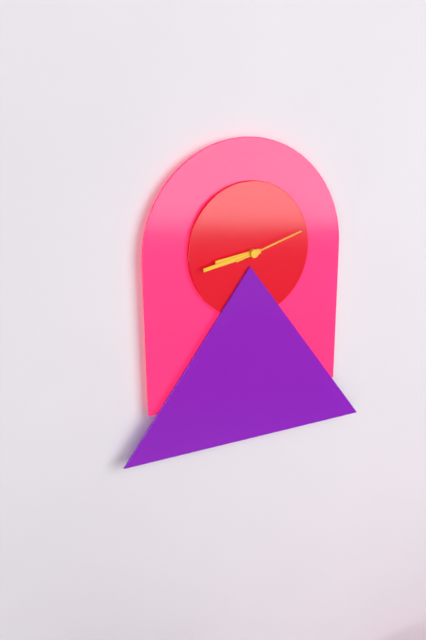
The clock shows 8 h 43 min 12 s
